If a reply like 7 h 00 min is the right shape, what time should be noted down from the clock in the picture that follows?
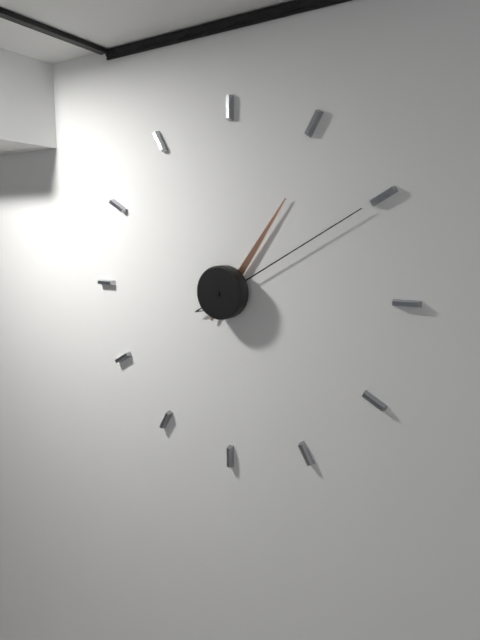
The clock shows 1 h 10 min
